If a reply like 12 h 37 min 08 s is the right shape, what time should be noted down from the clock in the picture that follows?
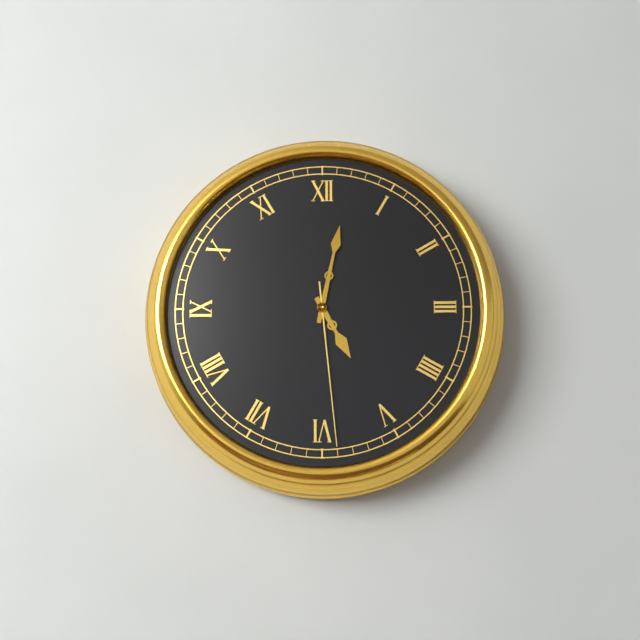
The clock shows 5 h 02 min 29 s
